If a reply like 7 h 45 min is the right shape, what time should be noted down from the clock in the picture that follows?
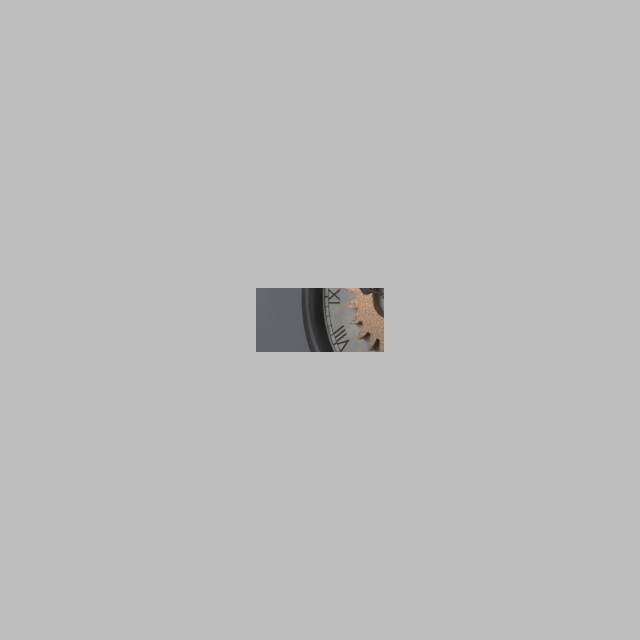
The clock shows 9 h 28 min
